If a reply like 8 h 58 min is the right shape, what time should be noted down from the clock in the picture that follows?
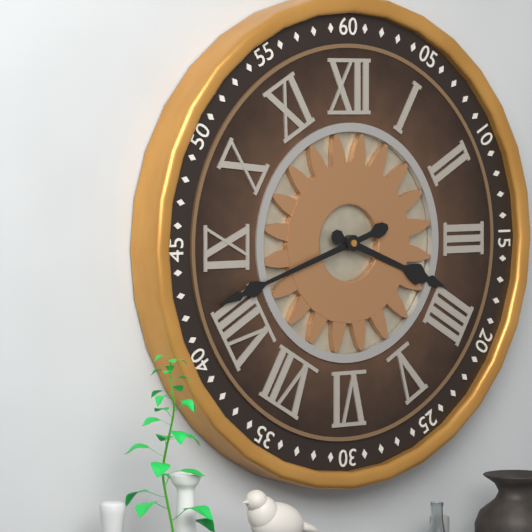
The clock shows 3 h 42 min
